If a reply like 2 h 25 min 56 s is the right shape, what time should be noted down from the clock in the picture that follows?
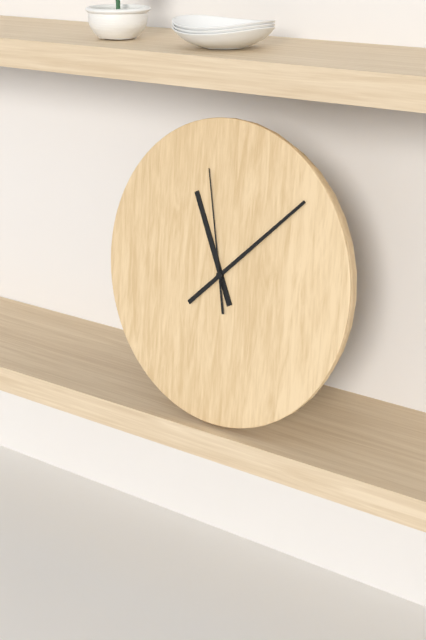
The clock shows 11 h 08 min 58 s
